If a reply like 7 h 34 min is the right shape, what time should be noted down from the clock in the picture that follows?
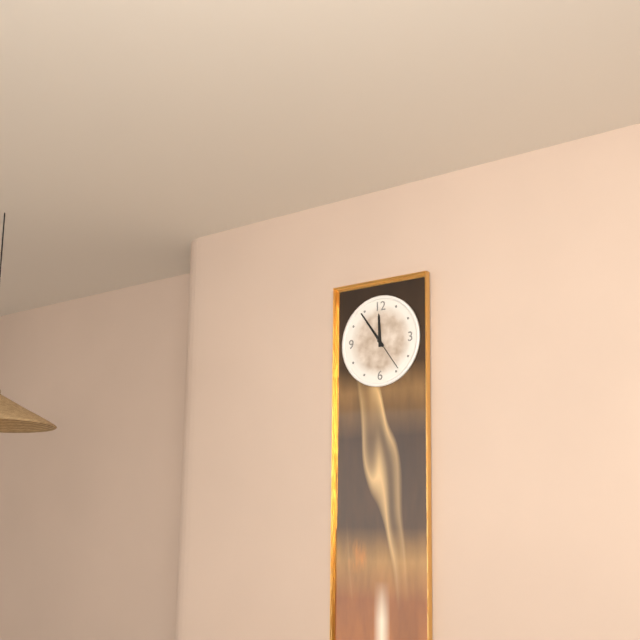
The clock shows 11 h 54 min
